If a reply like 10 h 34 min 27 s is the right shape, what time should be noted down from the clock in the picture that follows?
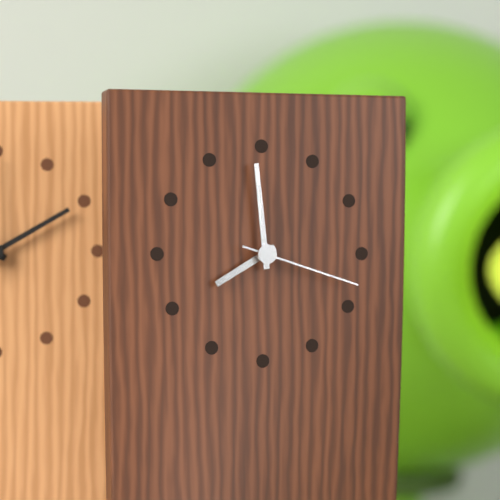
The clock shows 7 h 59 min 18 s
